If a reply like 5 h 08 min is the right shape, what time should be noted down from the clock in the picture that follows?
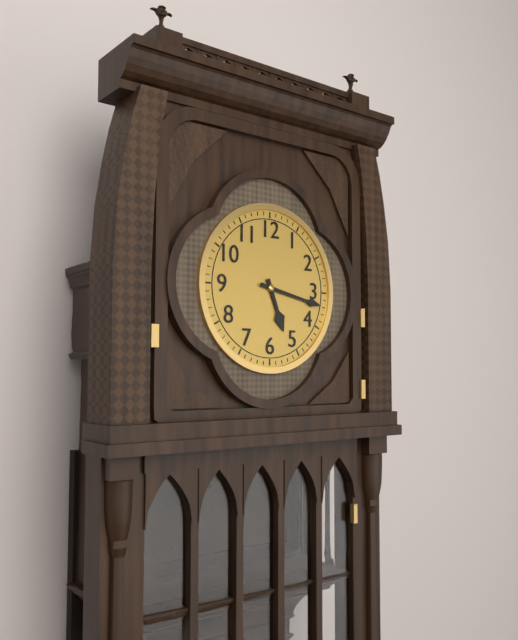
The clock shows 5 h 17 min
